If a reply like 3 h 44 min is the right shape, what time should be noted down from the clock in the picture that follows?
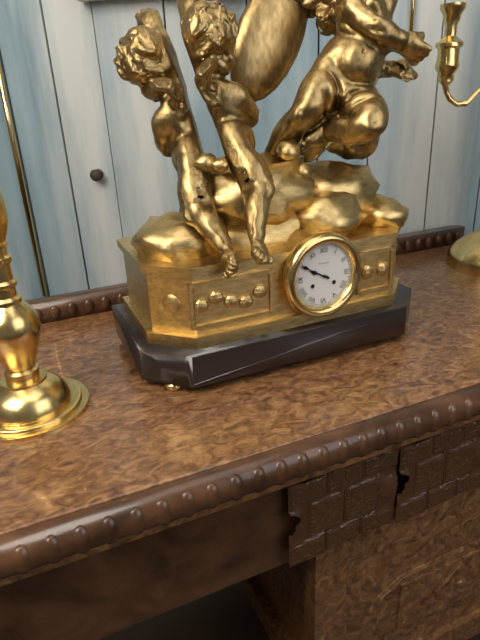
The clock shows 9 h 50 min
